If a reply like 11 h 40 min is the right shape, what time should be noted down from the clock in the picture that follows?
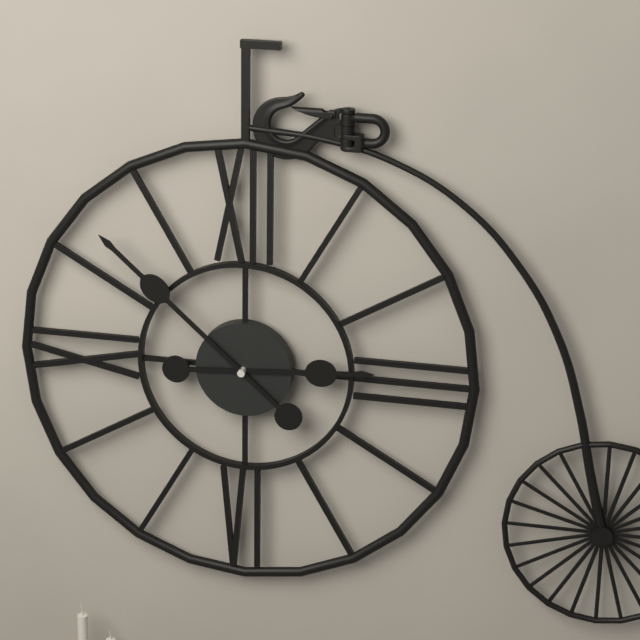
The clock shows 2 h 52 min
